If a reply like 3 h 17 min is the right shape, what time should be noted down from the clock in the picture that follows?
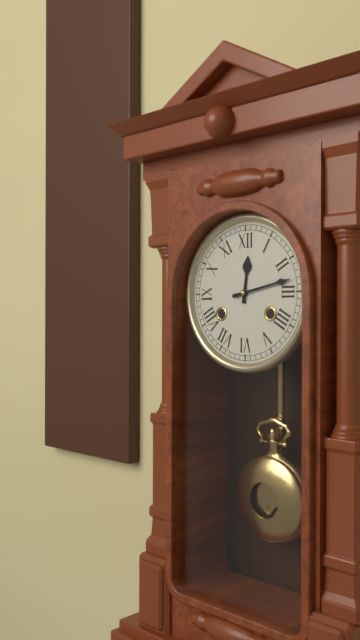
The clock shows 12 h 13 min
